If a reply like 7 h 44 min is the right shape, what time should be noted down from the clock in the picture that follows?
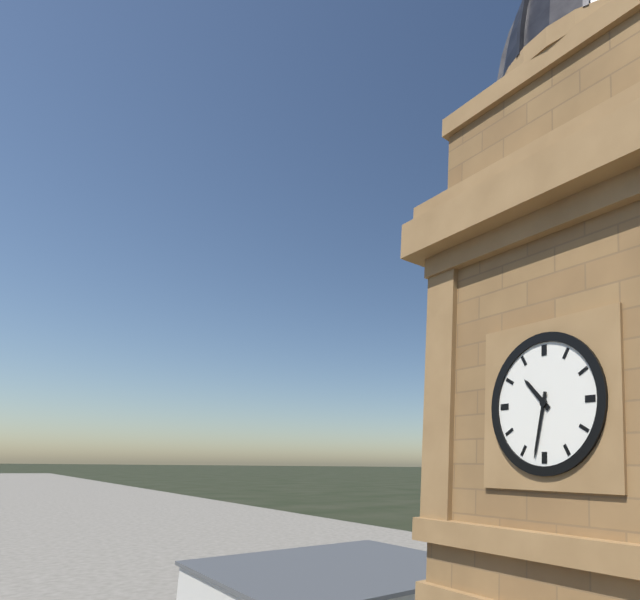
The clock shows 10 h 32 min
